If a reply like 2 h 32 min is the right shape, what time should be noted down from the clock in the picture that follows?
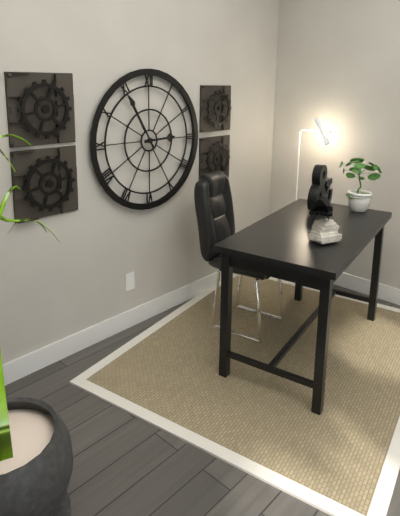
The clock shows 2 h 55 min
